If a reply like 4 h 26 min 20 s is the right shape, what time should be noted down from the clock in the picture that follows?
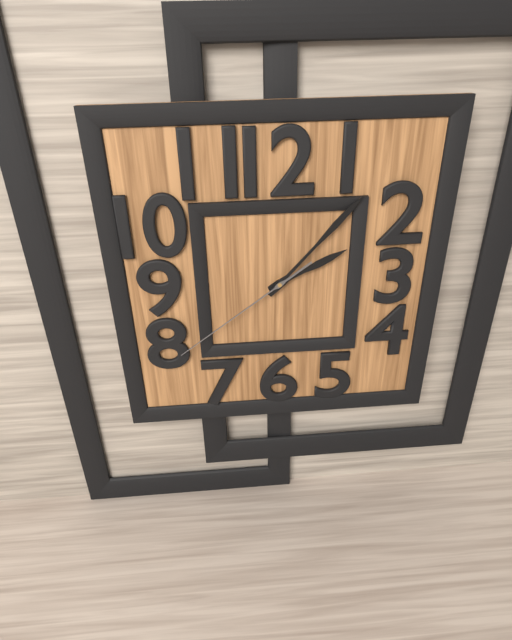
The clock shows 2 h 07 min 39 s
